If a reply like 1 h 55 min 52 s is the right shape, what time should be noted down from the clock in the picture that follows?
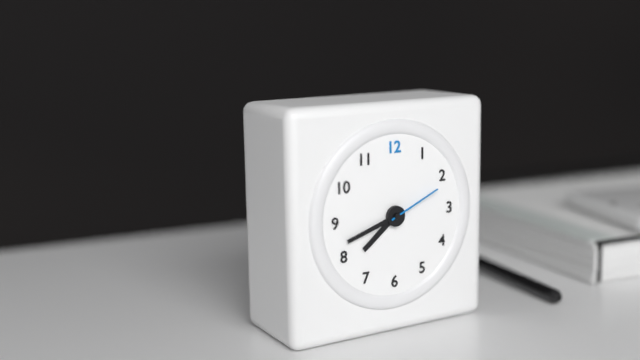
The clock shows 7 h 42 min 11 s
